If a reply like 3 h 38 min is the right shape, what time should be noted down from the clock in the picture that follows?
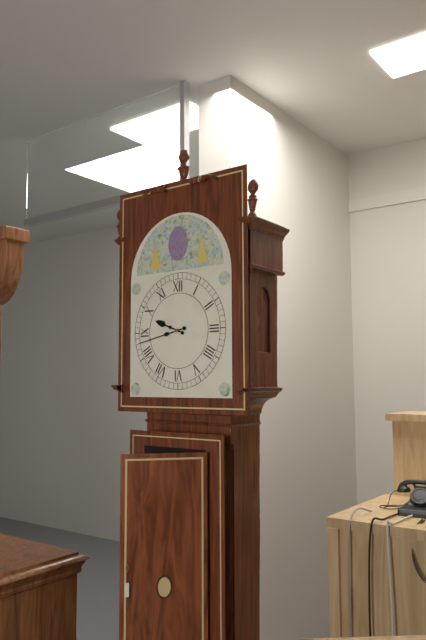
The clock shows 9 h 43 min
